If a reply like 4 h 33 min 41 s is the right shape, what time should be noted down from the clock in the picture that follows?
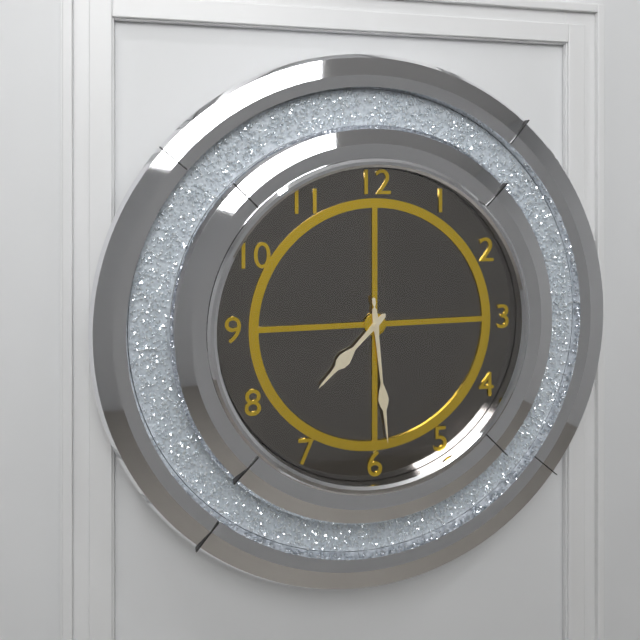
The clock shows 7 h 29 min 29 s
